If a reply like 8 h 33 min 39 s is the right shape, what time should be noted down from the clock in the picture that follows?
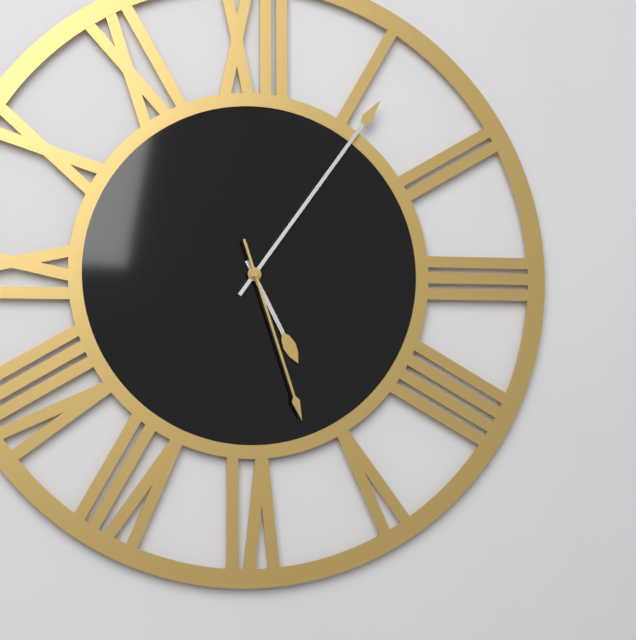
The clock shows 5 h 06 min 27 s
